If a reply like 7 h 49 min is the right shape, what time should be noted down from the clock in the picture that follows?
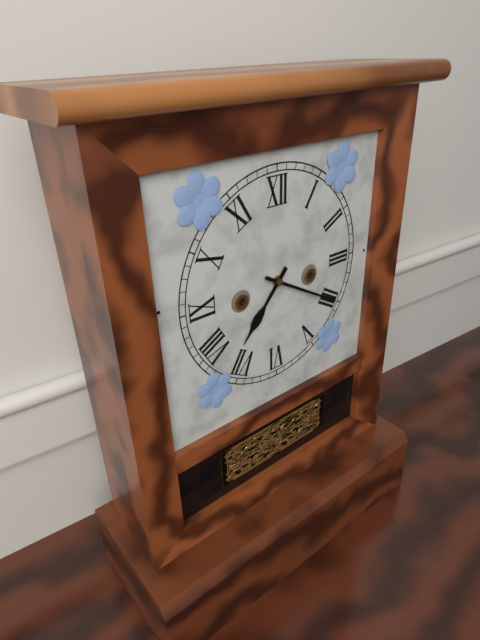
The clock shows 7 h 20 min
